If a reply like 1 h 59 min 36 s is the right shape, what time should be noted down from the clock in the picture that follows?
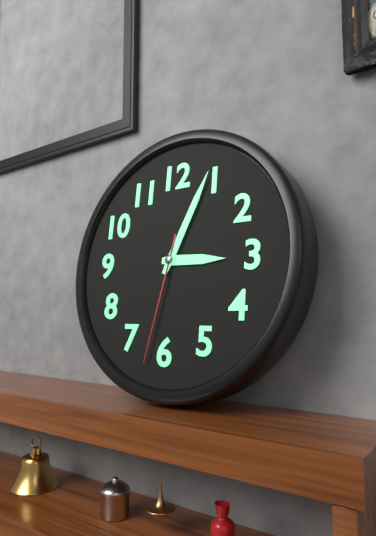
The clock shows 3 h 04 min 32 s
